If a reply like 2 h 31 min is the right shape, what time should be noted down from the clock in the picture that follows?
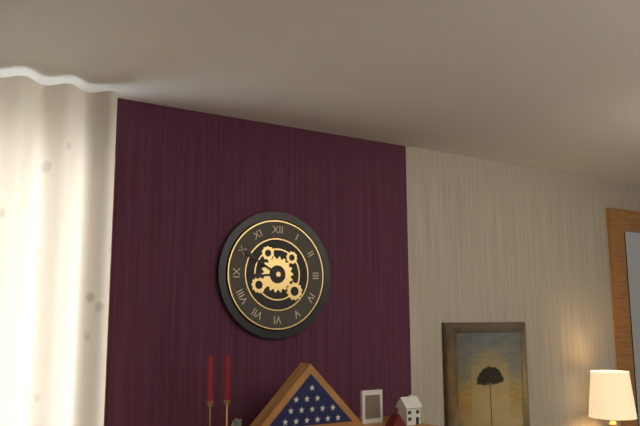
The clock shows 8 h 50 min
